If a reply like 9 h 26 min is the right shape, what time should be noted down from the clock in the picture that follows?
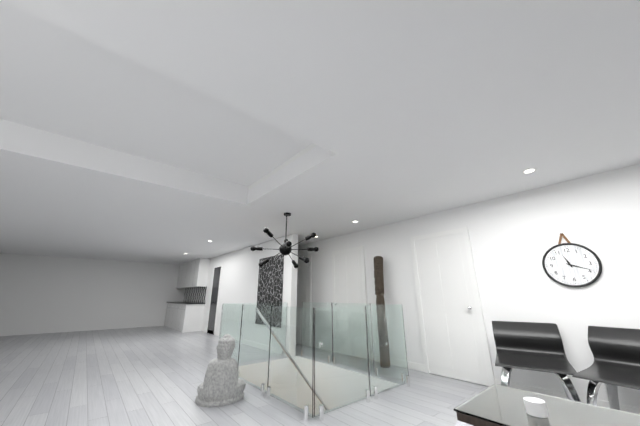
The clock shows 11 h 19 min
